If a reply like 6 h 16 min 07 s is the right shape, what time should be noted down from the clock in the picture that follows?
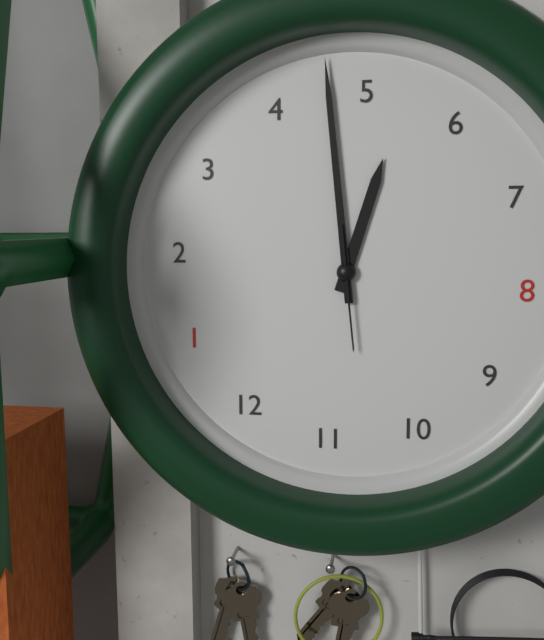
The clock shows 5 h 23 min 53 s
